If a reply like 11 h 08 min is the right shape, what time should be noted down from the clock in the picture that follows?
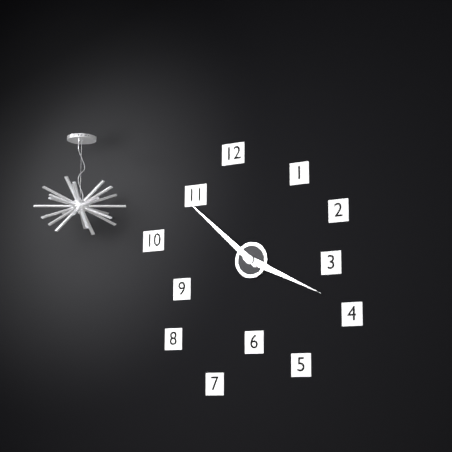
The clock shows 3 h 52 min
